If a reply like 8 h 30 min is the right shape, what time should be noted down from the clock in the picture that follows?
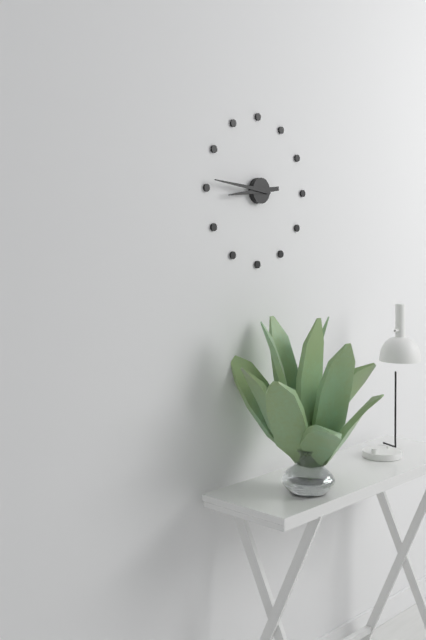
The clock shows 8 h 46 min
